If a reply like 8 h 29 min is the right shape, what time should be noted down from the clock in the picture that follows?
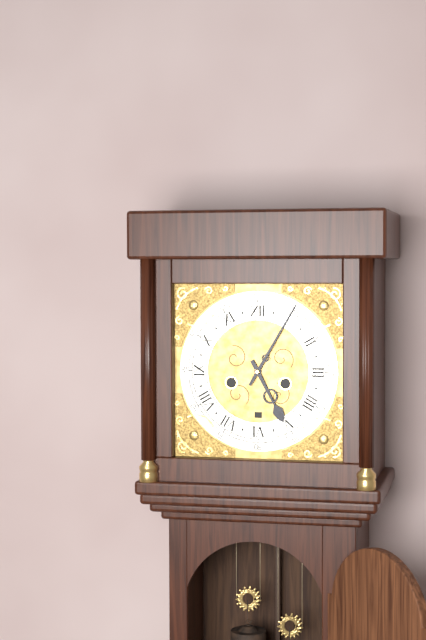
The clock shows 5 h 05 min
